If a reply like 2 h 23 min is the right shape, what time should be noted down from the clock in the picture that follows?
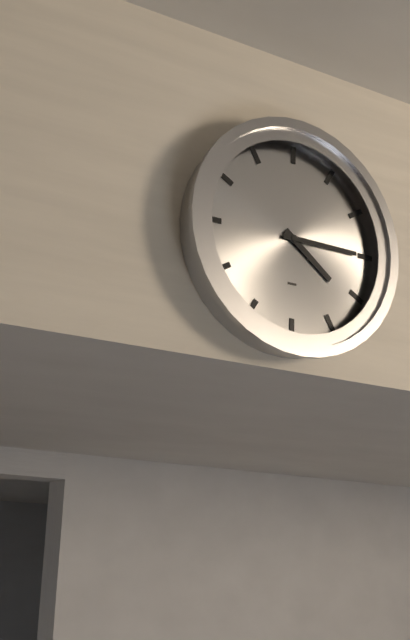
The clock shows 4 h 15 min
